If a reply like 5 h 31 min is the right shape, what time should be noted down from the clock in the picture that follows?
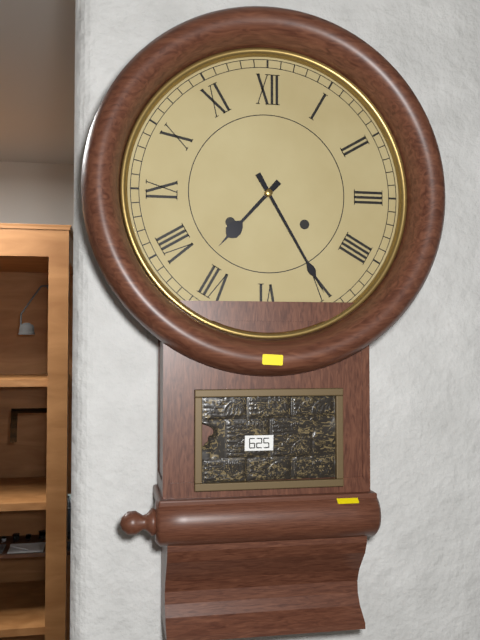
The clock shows 7 h 25 min
